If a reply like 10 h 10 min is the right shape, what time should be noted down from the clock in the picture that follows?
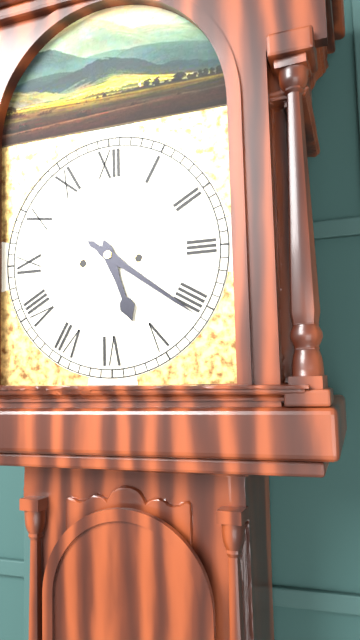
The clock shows 5 h 21 min
